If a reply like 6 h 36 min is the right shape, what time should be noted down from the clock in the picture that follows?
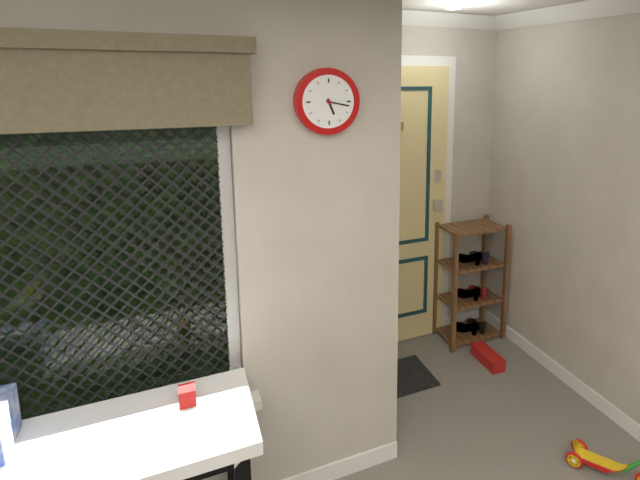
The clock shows 5 h 17 min
